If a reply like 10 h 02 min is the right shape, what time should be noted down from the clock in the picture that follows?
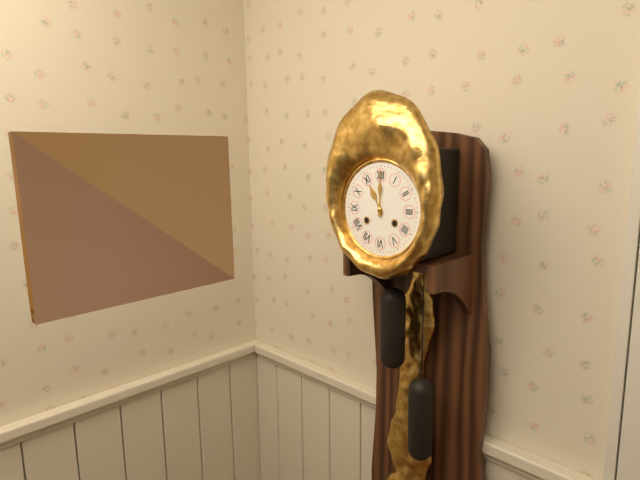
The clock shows 11 h 00 min
